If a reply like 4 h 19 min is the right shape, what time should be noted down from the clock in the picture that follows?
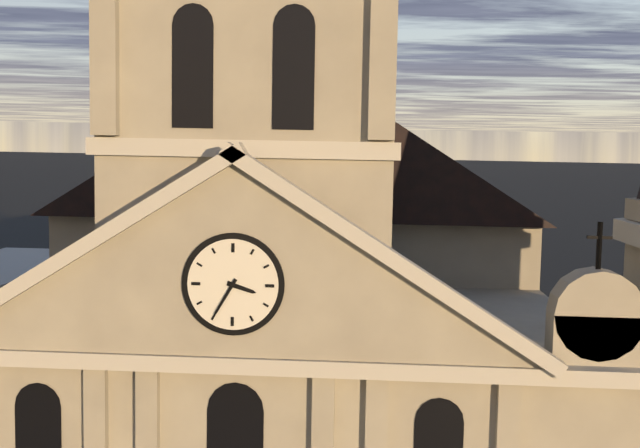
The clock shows 3 h 35 min
